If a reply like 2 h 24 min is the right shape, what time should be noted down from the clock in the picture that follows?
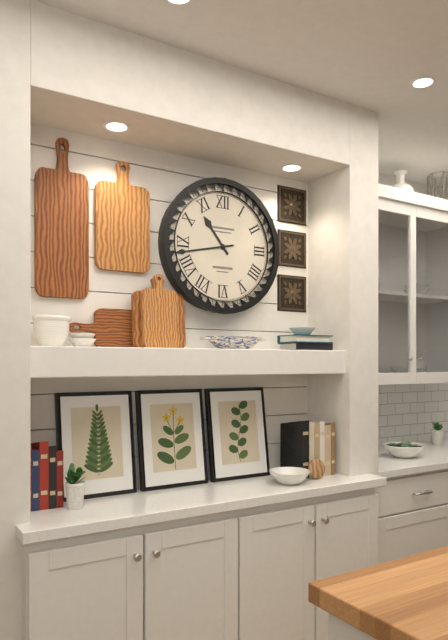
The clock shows 10 h 43 min
